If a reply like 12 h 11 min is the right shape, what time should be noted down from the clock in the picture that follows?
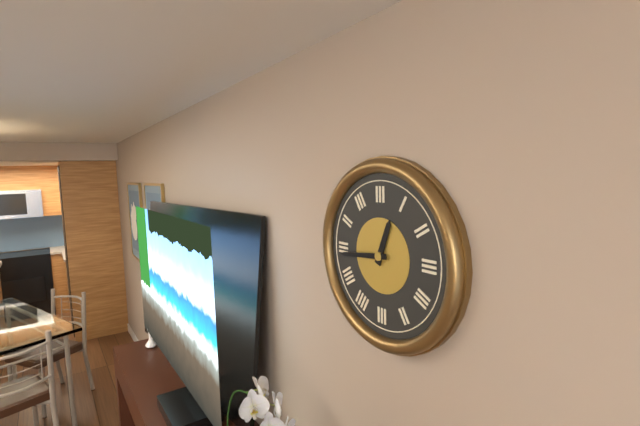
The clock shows 12 h 44 min
